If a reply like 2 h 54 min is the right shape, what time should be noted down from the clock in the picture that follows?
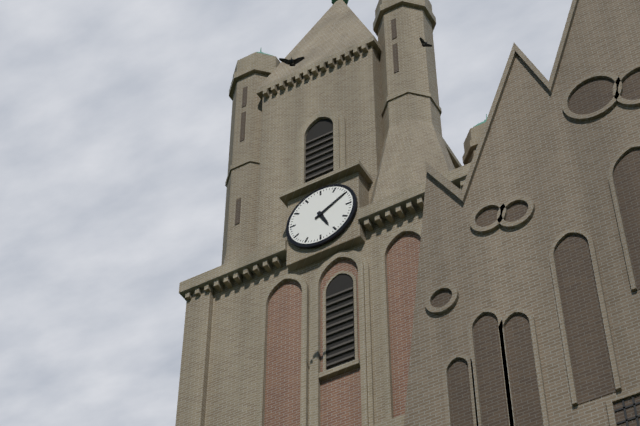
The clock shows 5 h 10 min
